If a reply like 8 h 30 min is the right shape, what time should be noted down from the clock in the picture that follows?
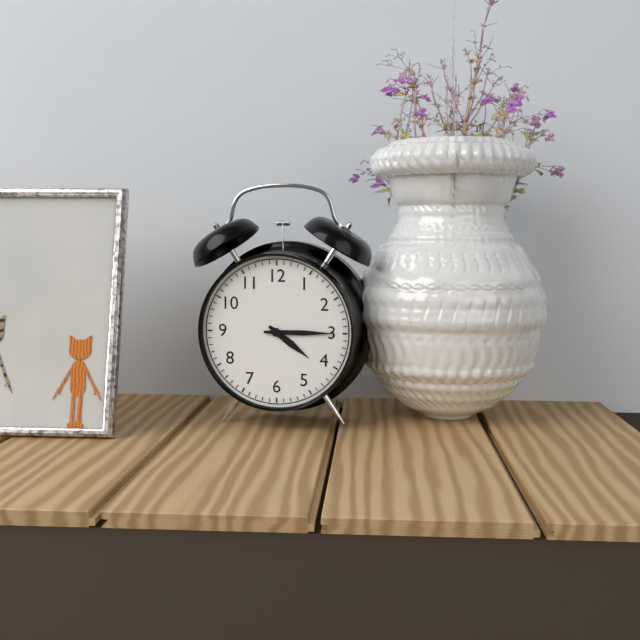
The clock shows 4 h 15 min
